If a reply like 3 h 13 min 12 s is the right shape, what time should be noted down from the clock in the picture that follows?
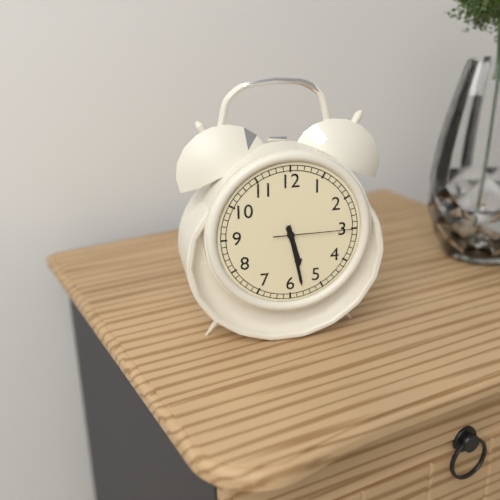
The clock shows 5 h 28 min 15 s
